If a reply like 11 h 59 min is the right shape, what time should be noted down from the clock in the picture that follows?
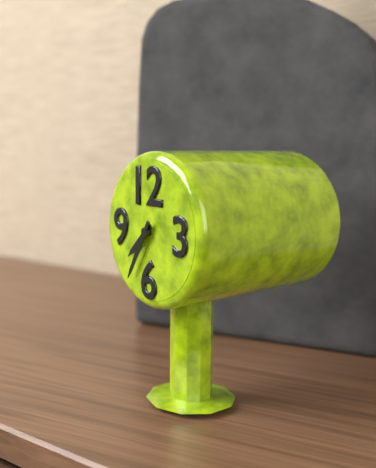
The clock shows 7 h 35 min
